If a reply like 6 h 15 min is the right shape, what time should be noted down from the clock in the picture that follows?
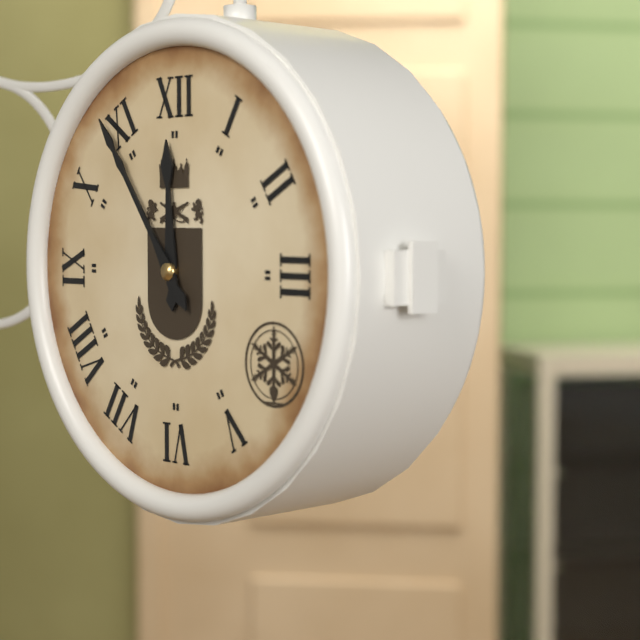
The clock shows 11 h 54 min
